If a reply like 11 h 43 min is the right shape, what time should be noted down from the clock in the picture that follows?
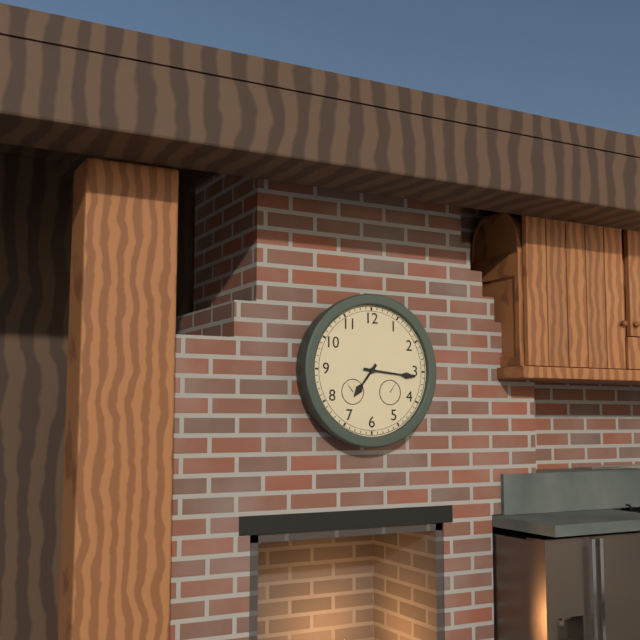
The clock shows 7 h 16 min
